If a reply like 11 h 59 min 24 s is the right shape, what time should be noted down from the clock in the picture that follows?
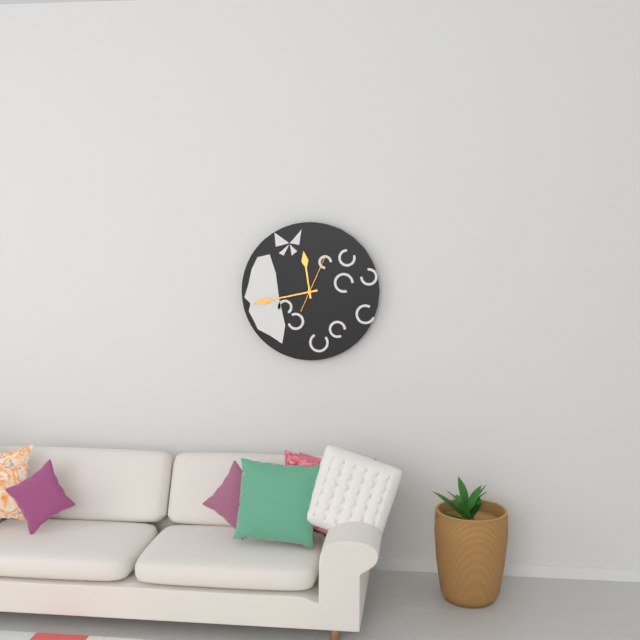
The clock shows 11 h 43 min 04 s
